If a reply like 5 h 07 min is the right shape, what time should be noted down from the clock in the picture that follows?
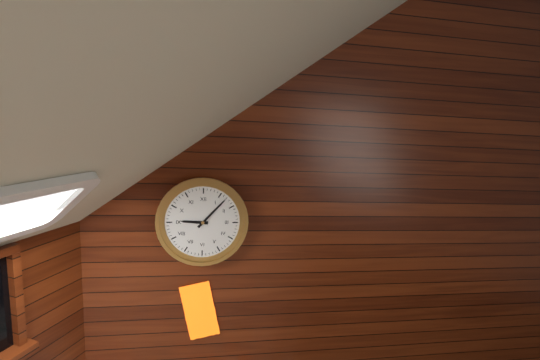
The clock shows 9 h 07 min
